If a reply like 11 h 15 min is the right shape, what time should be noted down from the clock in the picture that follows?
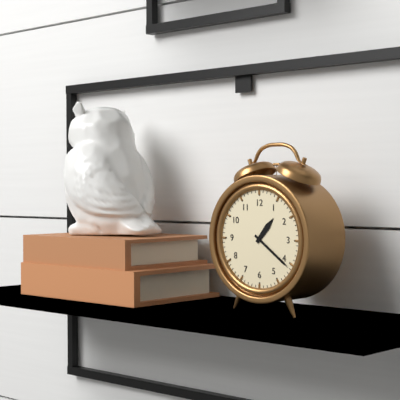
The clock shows 1 h 21 min
